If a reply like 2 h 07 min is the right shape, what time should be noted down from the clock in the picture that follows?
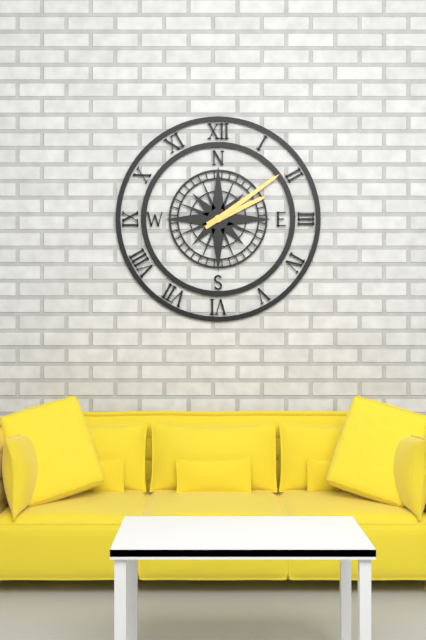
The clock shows 2 h 09 min
